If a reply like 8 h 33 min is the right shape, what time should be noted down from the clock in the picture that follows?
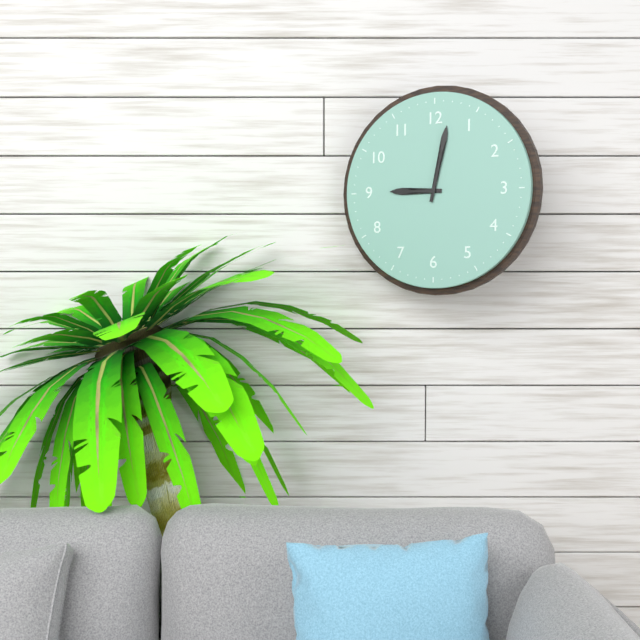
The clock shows 9 h 02 min
